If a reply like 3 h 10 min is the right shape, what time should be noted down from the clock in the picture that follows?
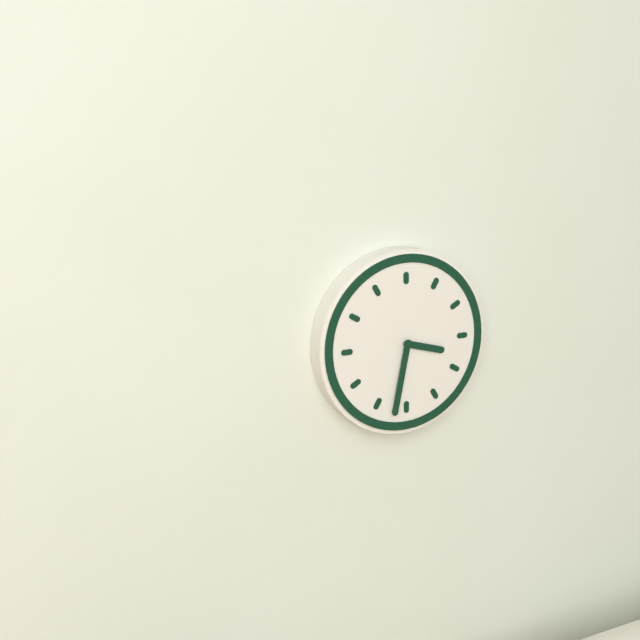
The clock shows 3 h 32 min
